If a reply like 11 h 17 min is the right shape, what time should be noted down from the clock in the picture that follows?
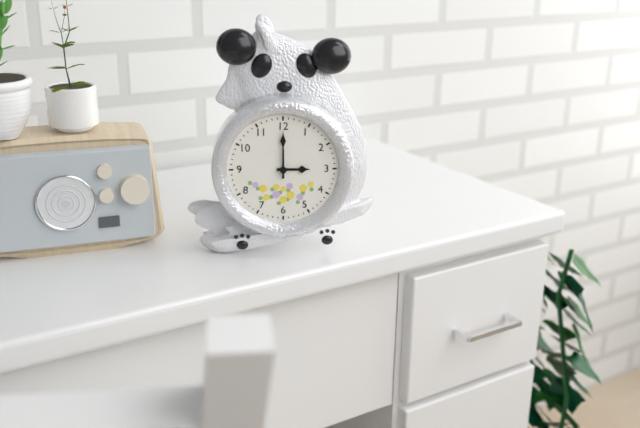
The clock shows 3 h 00 min
